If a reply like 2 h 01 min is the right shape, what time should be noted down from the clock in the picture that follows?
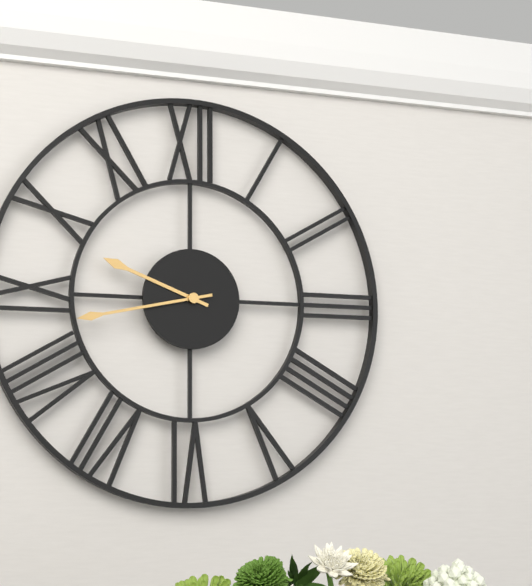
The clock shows 9 h 43 min
